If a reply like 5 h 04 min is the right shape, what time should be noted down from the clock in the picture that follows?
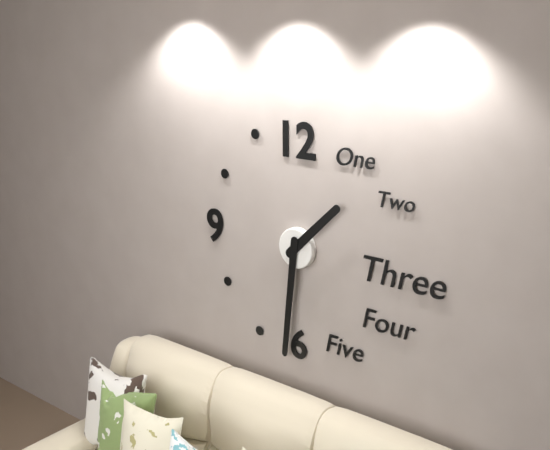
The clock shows 1 h 31 min
